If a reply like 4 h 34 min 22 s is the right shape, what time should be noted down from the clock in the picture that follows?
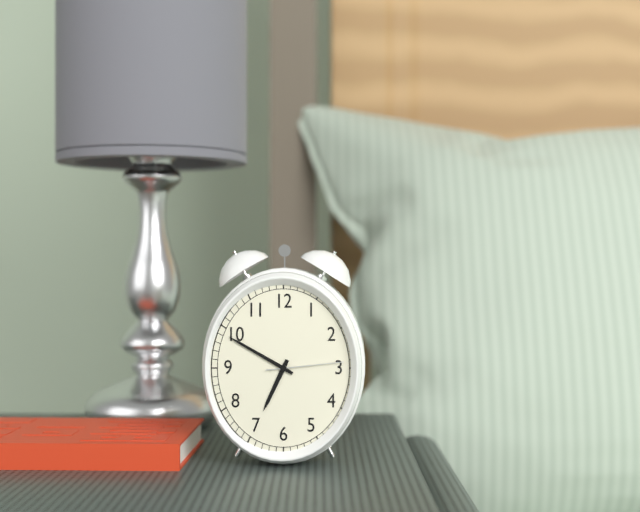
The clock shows 6 h 50 min 14 s
